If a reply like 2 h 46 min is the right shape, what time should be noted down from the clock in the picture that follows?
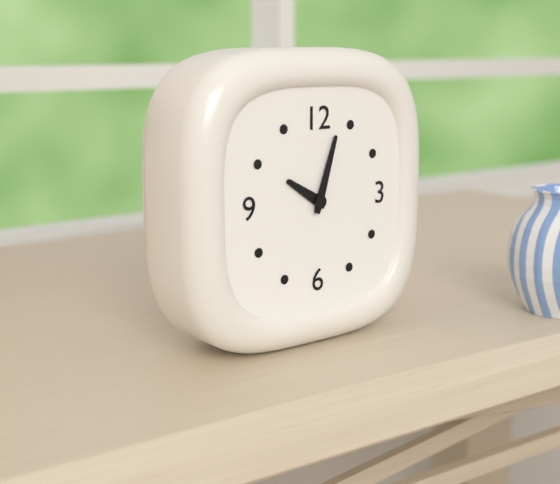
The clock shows 10 h 03 min
